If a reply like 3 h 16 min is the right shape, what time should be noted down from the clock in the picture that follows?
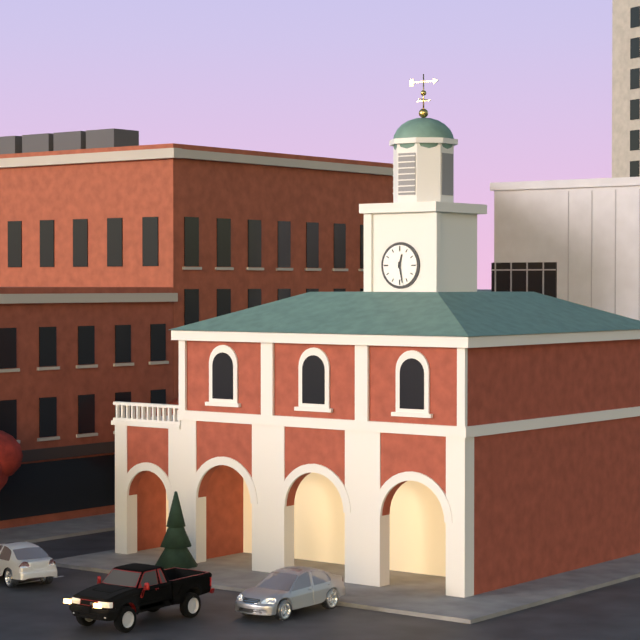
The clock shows 12 h 28 min
